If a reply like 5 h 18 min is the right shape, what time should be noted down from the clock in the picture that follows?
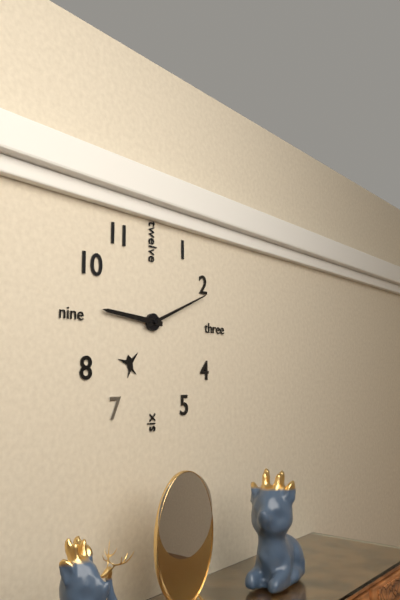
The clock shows 9 h 11 min
